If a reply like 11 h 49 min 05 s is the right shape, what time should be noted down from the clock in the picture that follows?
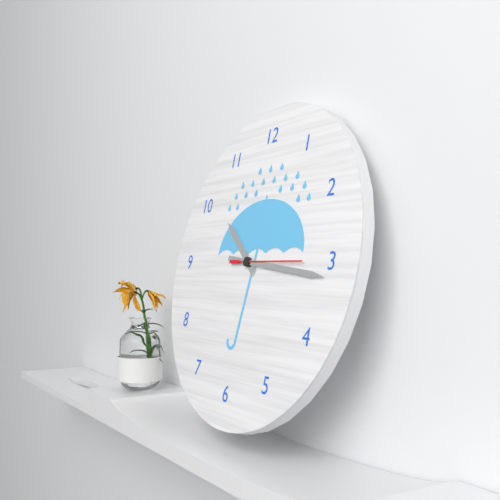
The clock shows 10 h 16 min 15 s
